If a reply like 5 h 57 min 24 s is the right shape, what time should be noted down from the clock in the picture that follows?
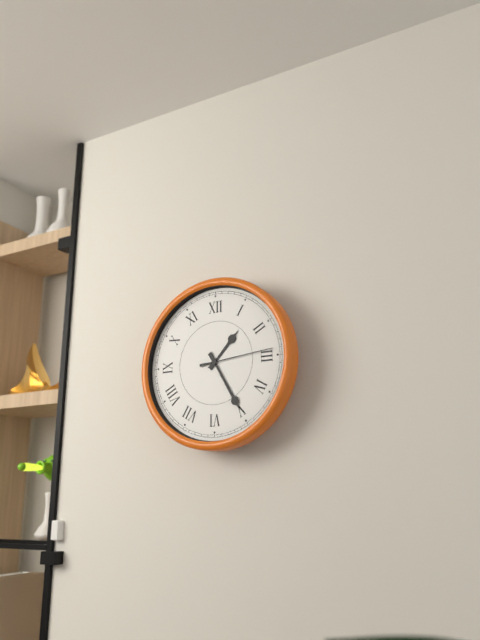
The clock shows 1 h 25 min 14 s
